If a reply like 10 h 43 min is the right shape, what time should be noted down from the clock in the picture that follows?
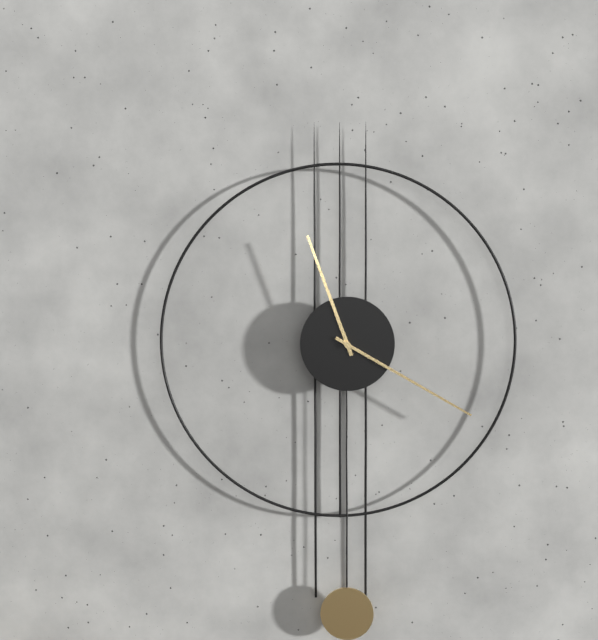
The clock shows 11 h 20 min
